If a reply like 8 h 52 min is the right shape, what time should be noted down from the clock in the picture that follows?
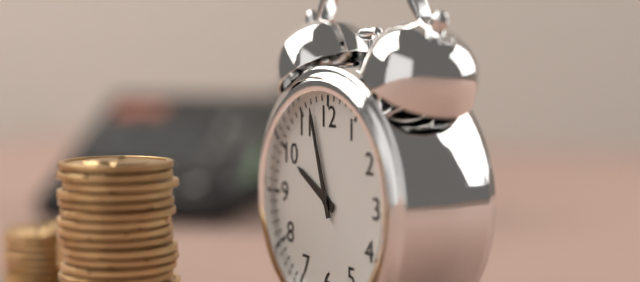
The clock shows 9 h 57 min
